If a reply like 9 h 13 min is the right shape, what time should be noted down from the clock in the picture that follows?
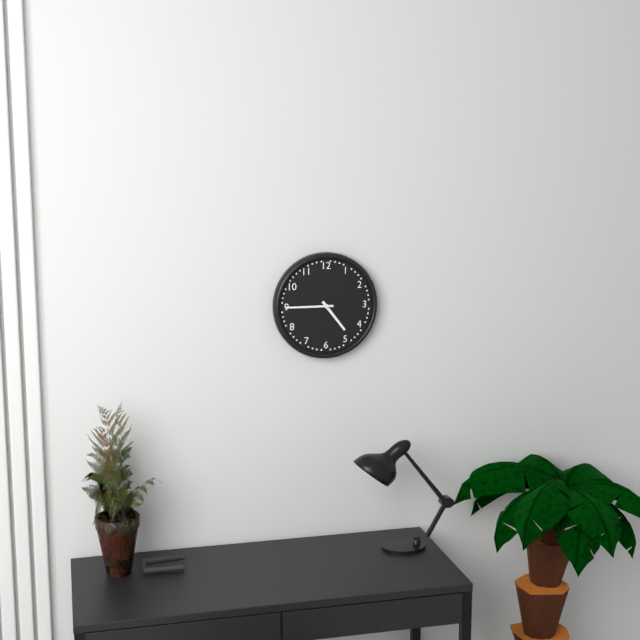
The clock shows 4 h 45 min
